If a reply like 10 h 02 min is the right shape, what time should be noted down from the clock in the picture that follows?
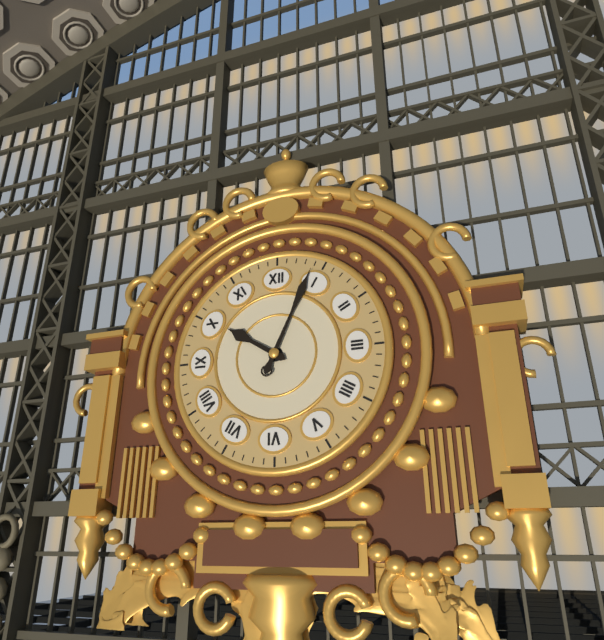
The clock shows 10 h 04 min
